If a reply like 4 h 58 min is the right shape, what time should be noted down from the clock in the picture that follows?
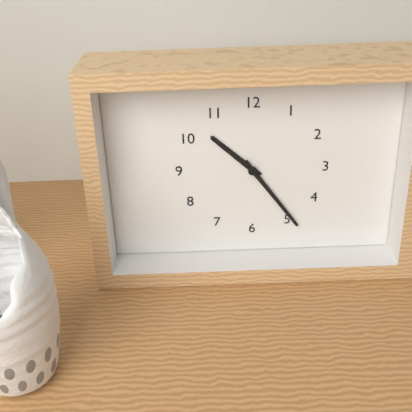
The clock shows 10 h 24 min
